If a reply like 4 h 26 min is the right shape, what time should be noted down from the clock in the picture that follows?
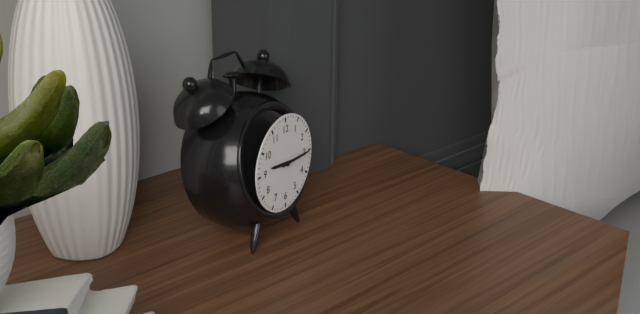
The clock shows 9 h 15 min
